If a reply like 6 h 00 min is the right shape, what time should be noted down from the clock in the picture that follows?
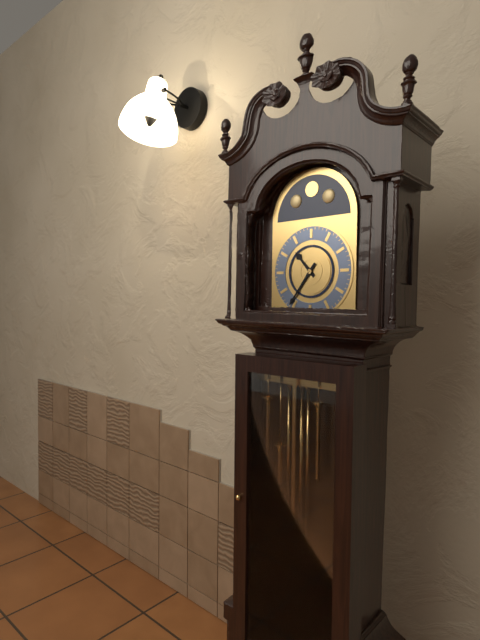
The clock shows 10 h 36 min
